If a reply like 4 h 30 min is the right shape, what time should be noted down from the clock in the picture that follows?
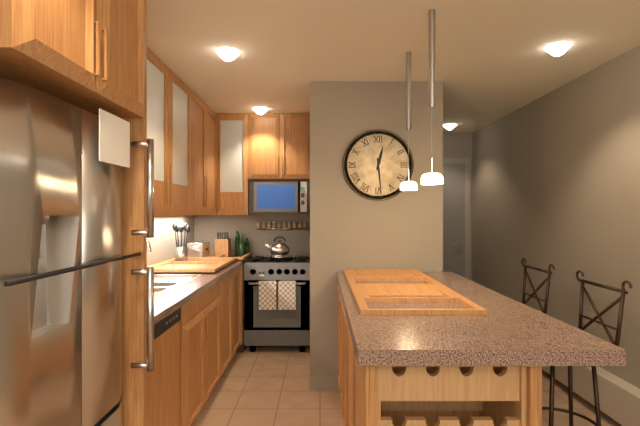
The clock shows 12 h 29 min
